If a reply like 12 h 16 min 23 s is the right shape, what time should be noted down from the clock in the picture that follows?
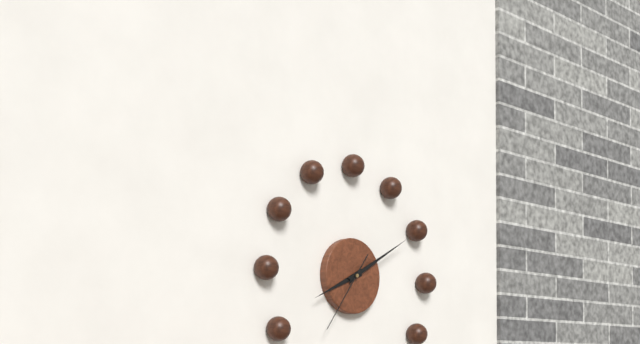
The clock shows 8 h 10 min 36 s
